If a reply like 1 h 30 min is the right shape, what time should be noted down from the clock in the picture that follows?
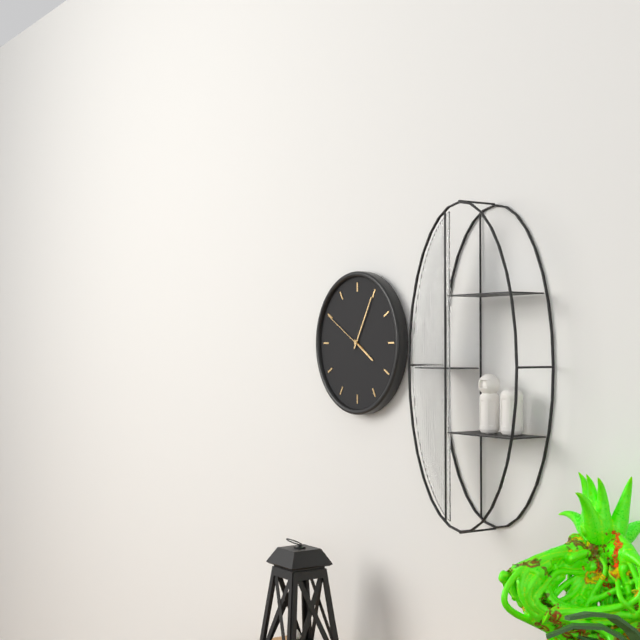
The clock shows 4 h 05 min
